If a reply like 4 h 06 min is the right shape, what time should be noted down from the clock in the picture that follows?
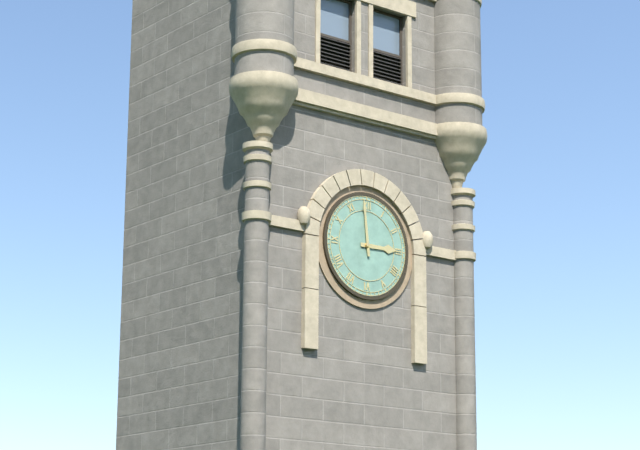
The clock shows 2 h 59 min
